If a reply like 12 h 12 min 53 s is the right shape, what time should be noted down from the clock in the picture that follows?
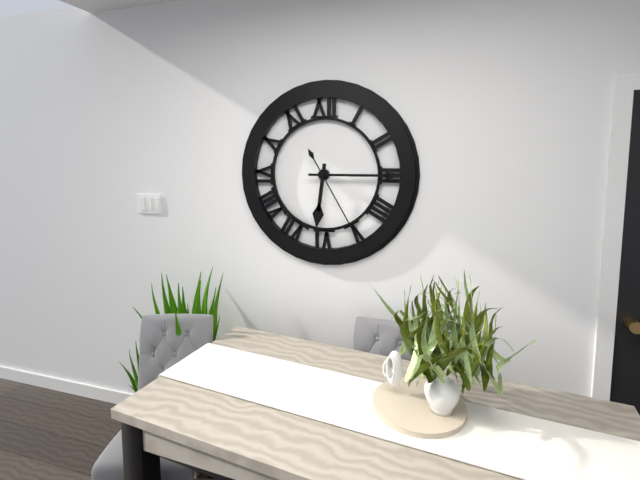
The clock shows 6 h 15 min 25 s
